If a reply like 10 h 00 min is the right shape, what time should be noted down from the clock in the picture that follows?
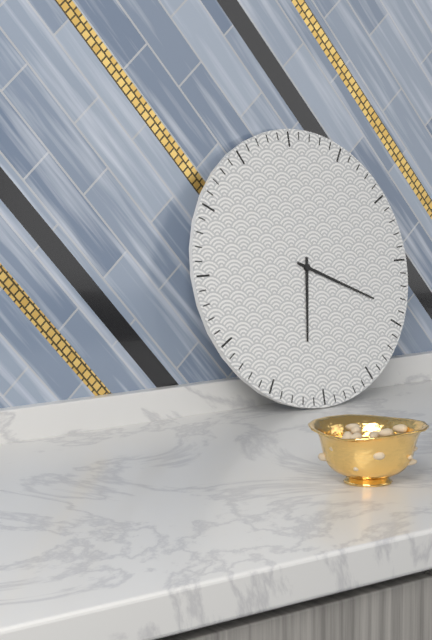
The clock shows 6 h 19 min
